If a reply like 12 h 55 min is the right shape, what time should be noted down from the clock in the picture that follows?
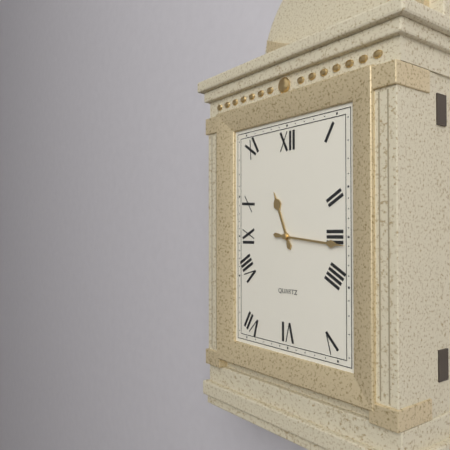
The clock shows 11 h 16 min
